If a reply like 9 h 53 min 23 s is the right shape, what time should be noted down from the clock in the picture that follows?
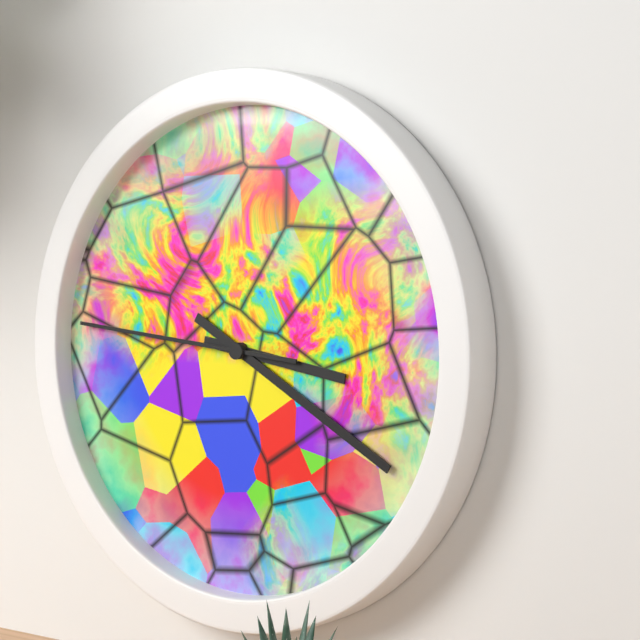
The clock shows 3 h 20 min 46 s
